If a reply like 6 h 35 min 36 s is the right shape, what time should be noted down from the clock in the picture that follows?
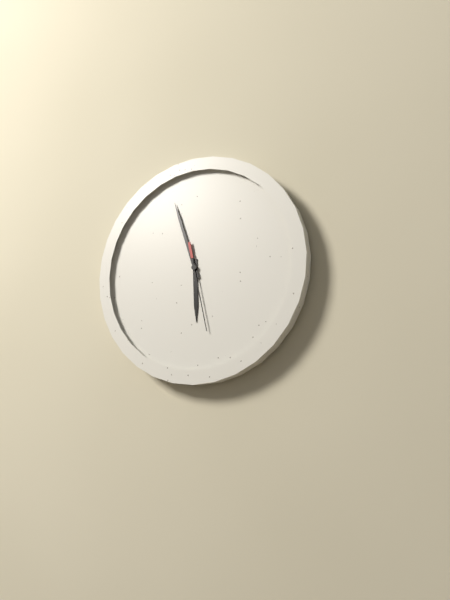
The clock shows 5 h 57 min 28 s
